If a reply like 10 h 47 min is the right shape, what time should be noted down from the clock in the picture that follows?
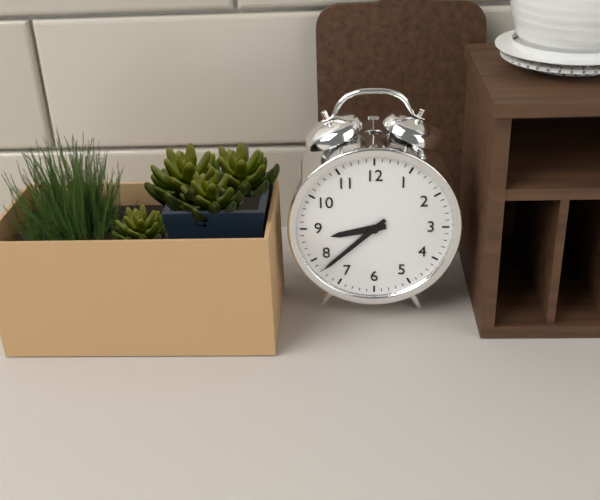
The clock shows 8 h 38 min
